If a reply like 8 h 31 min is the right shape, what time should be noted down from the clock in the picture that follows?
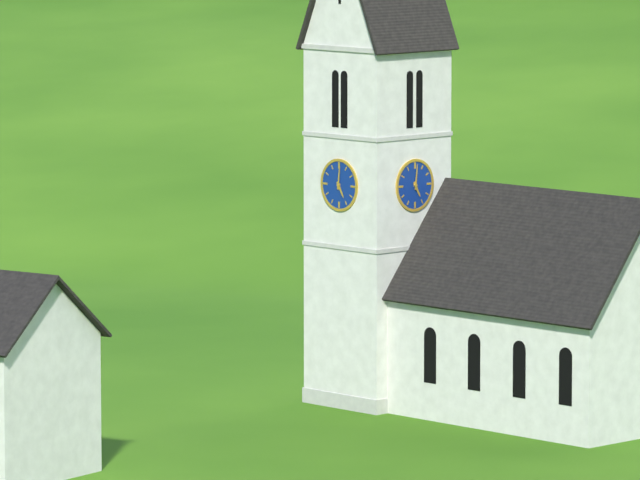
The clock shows 5 h 01 min
